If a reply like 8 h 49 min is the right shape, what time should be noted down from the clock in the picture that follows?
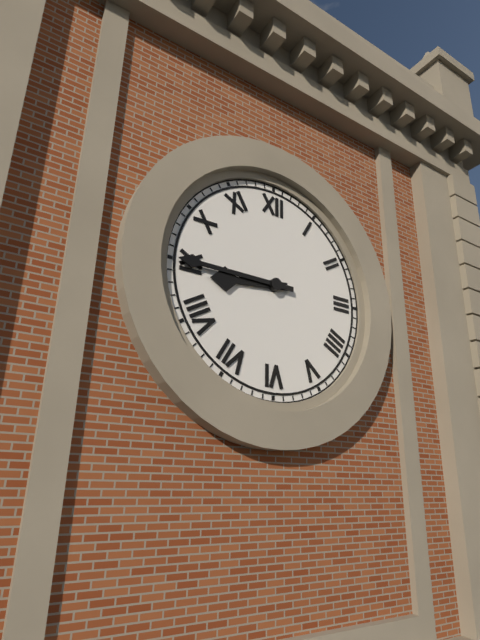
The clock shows 8 h 45 min
